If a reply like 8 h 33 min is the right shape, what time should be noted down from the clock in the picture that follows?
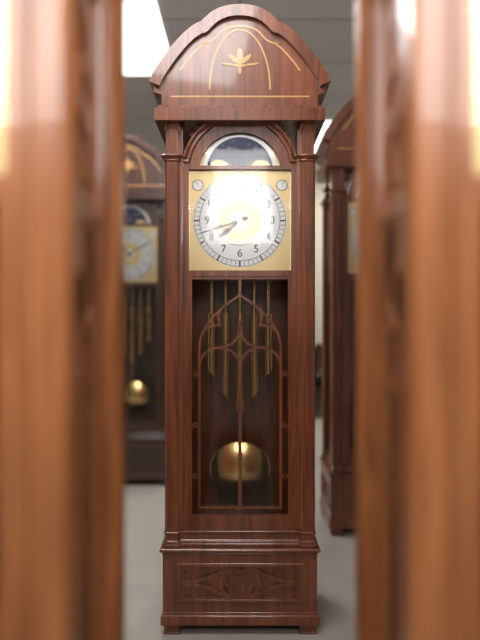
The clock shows 7 h 42 min
